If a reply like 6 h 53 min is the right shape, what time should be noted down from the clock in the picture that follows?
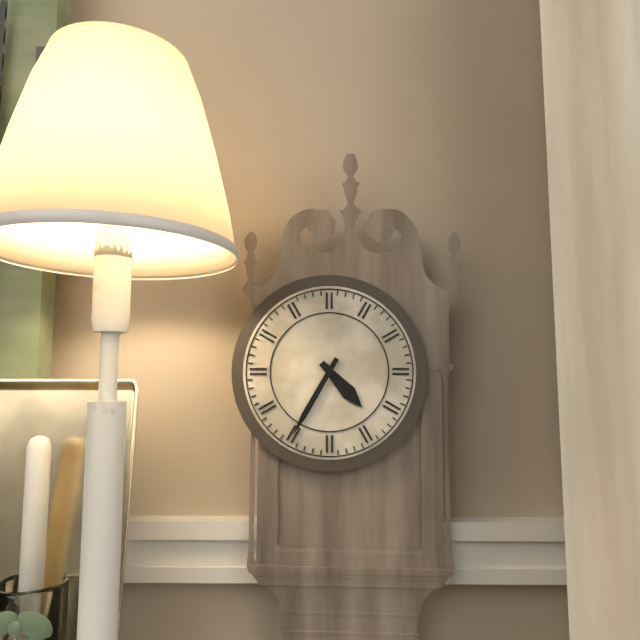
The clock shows 4 h 35 min
